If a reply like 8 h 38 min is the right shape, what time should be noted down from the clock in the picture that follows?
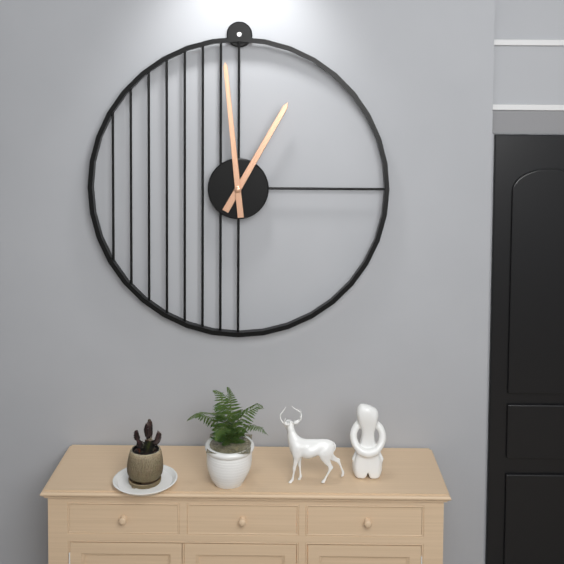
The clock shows 12 h 59 min
